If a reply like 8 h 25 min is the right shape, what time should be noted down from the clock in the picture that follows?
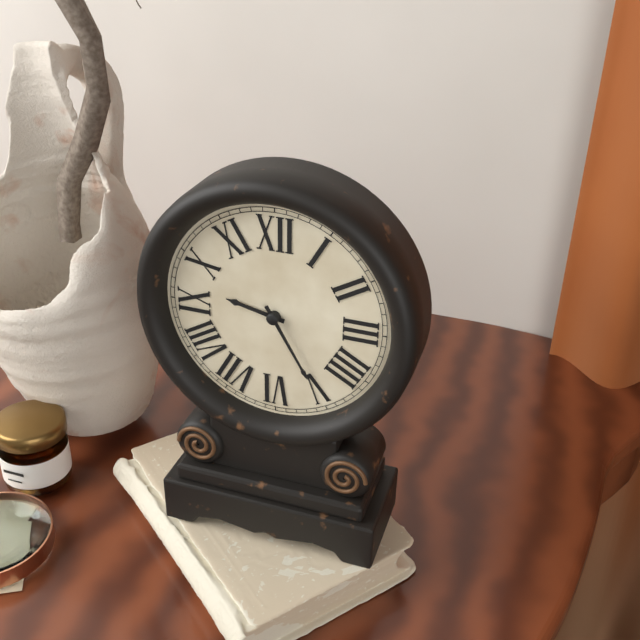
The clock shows 9 h 25 min
